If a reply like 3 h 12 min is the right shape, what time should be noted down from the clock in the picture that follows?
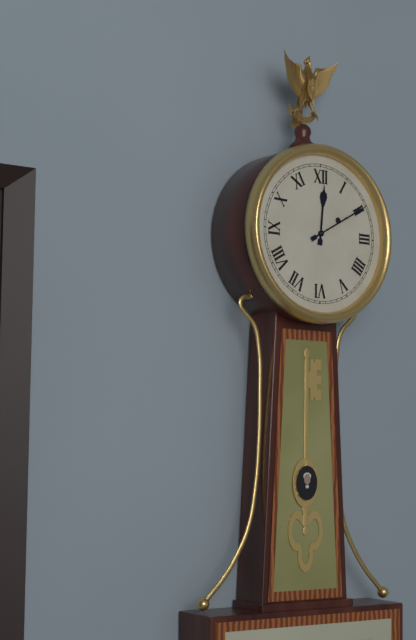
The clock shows 12 h 10 min
